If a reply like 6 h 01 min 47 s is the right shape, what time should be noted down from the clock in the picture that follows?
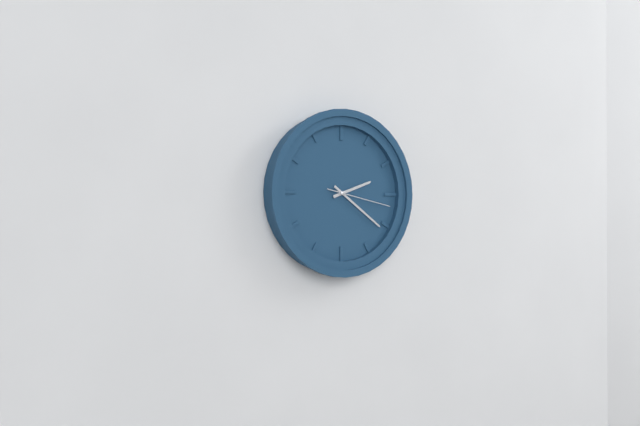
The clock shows 2 h 21 min 17 s
